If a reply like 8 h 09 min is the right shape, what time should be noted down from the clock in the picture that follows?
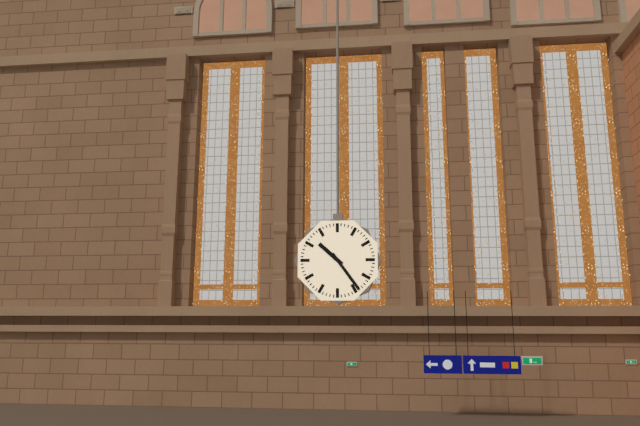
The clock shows 10 h 24 min
